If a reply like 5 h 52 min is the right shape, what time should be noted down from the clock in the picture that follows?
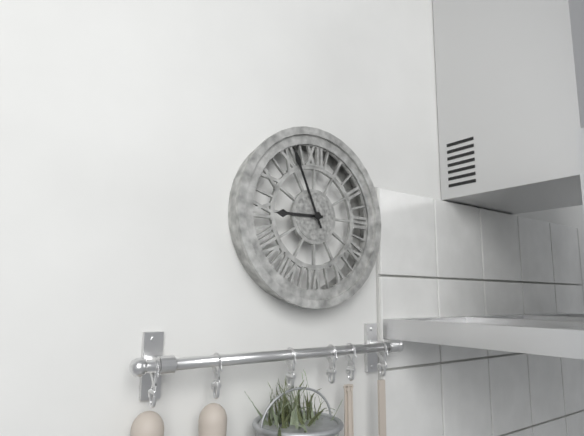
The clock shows 8 h 56 min
